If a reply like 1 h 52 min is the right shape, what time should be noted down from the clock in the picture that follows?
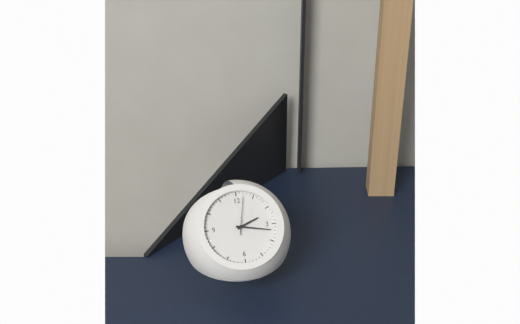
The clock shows 2 h 17 min
